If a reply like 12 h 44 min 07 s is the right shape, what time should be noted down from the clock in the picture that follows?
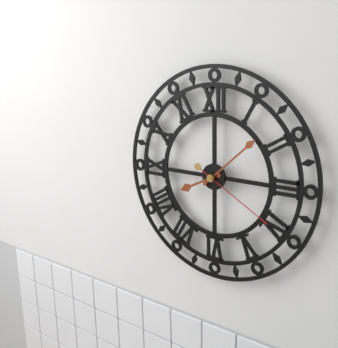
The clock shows 8 h 08 min 20 s
